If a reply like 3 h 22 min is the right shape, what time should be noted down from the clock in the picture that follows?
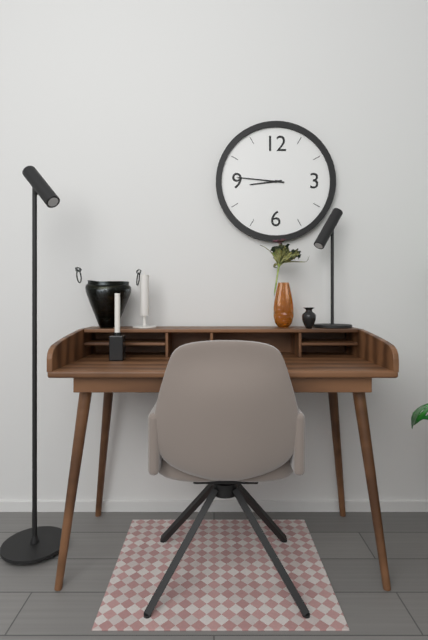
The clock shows 8 h 46 min
